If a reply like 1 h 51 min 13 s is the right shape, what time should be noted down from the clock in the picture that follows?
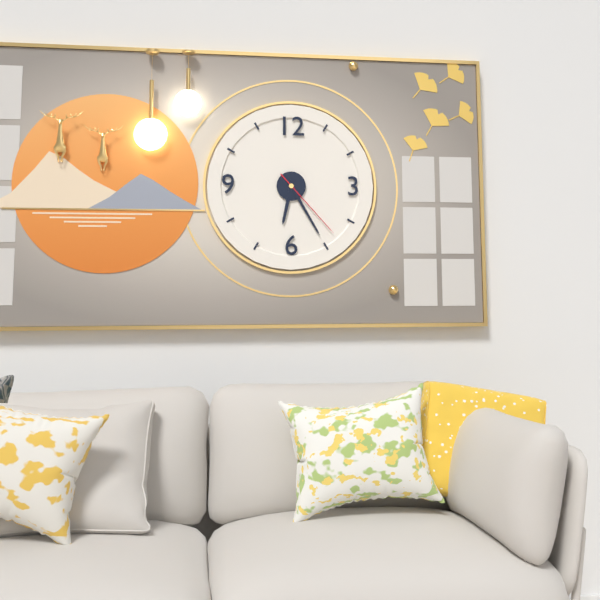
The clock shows 6 h 25 min 23 s
